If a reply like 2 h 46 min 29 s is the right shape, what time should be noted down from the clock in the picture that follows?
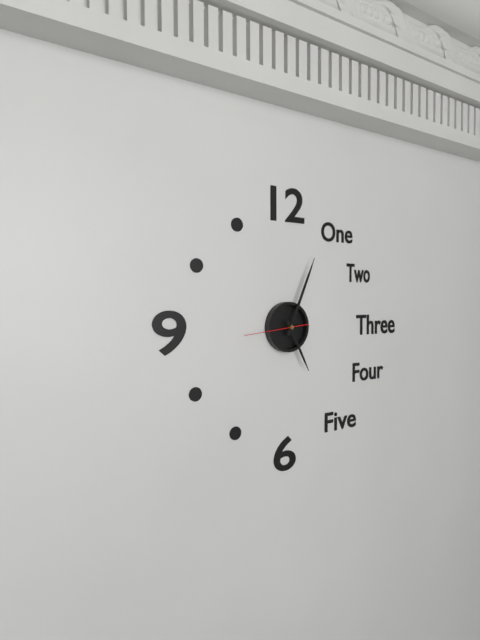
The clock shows 5 h 04 min 44 s
